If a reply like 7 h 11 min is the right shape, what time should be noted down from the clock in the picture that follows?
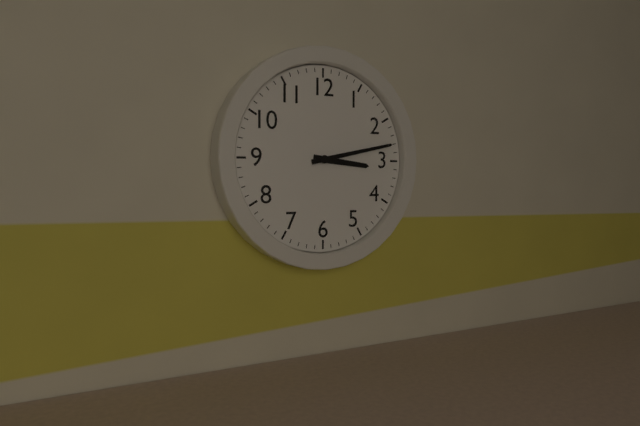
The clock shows 3 h 13 min
